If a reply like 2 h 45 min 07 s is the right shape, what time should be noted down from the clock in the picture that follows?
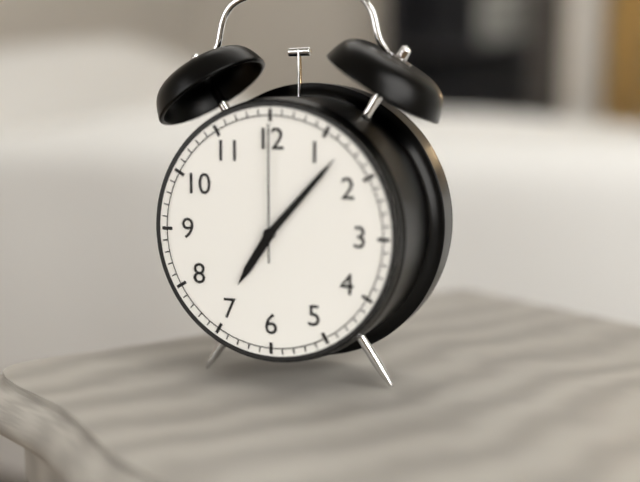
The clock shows 7 h 07 min 00 s
